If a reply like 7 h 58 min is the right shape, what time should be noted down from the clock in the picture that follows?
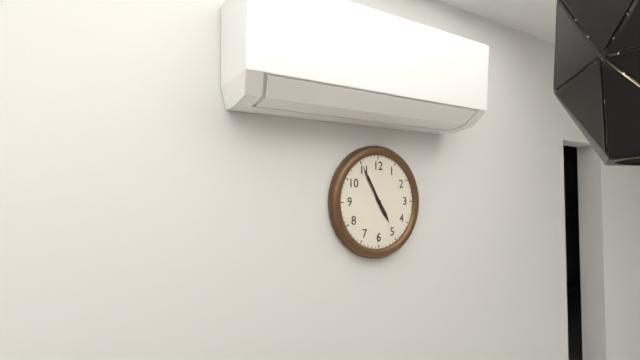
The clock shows 4 h 55 min
